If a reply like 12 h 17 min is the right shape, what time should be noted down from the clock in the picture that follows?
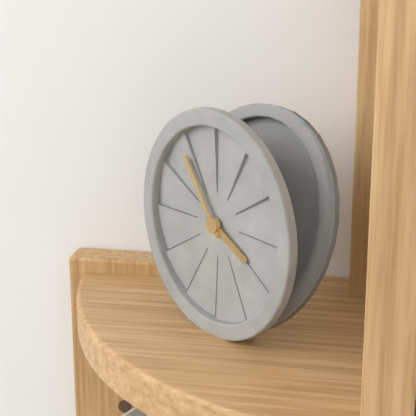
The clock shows 3 h 54 min
